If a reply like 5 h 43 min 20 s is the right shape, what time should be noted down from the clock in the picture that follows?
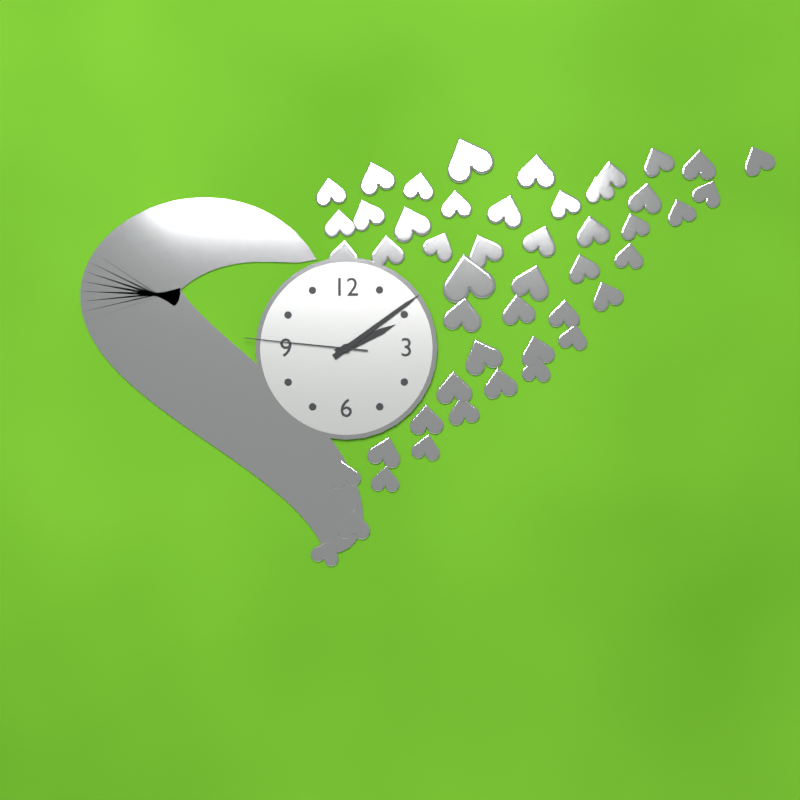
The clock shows 2 h 09 min 46 s
